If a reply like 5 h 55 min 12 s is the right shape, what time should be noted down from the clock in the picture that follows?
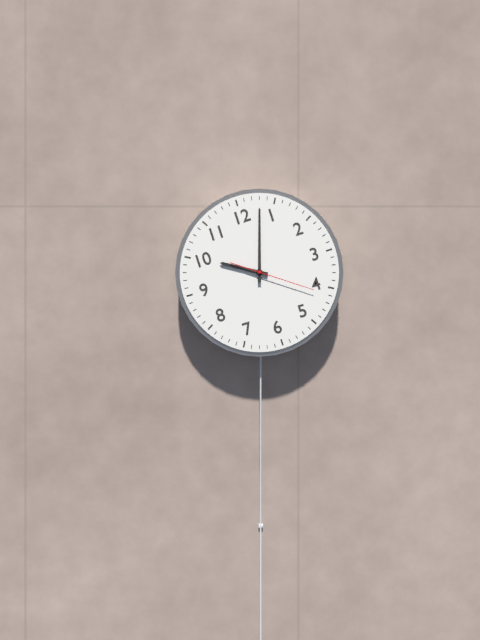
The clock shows 10 h 03 min 21 s
